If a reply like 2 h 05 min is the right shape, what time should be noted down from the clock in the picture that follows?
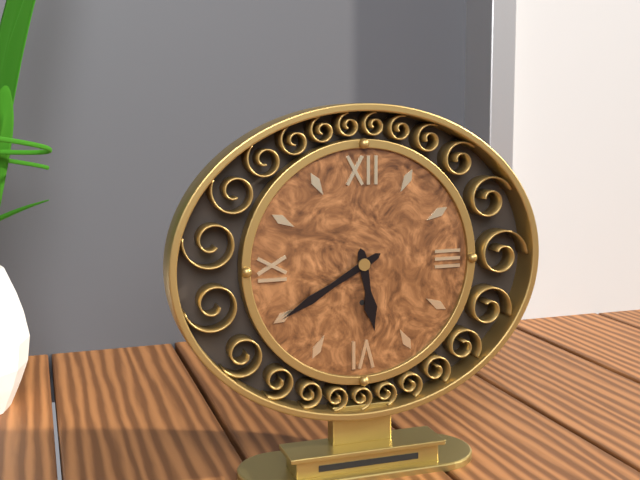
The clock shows 5 h 40 min
